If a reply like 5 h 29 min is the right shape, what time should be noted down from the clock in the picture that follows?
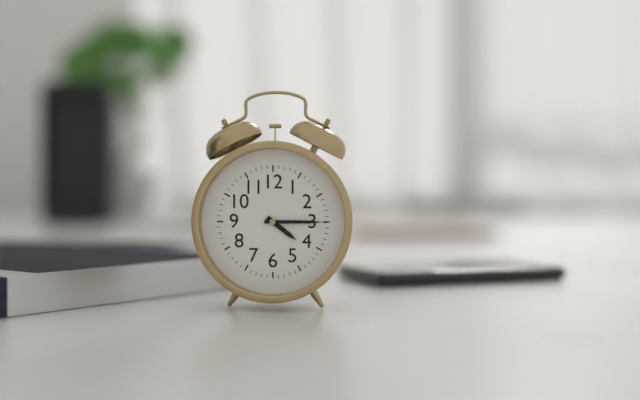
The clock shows 4 h 15 min
